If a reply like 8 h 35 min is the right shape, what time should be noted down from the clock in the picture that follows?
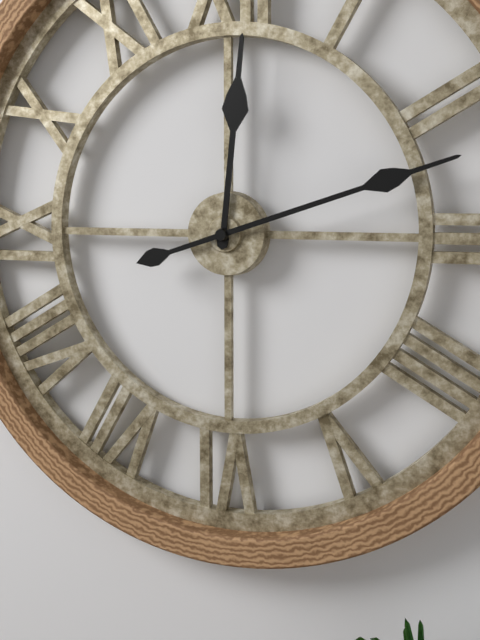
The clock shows 12 h 12 min
